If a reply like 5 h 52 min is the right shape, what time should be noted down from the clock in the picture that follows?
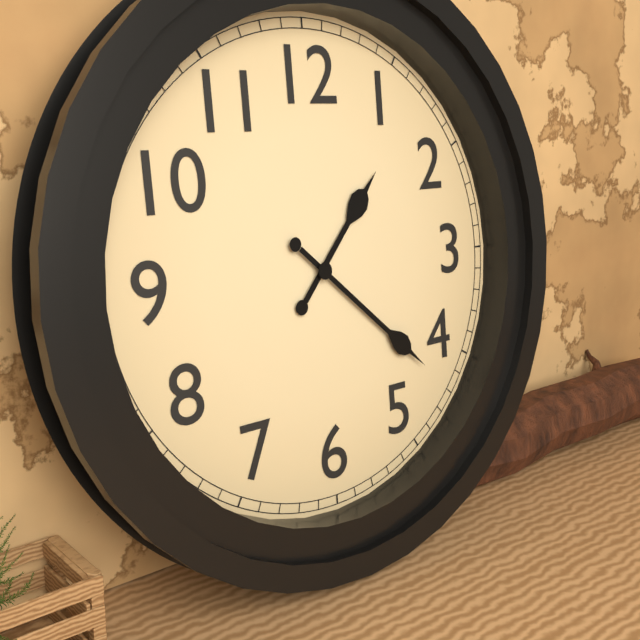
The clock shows 1 h 22 min
